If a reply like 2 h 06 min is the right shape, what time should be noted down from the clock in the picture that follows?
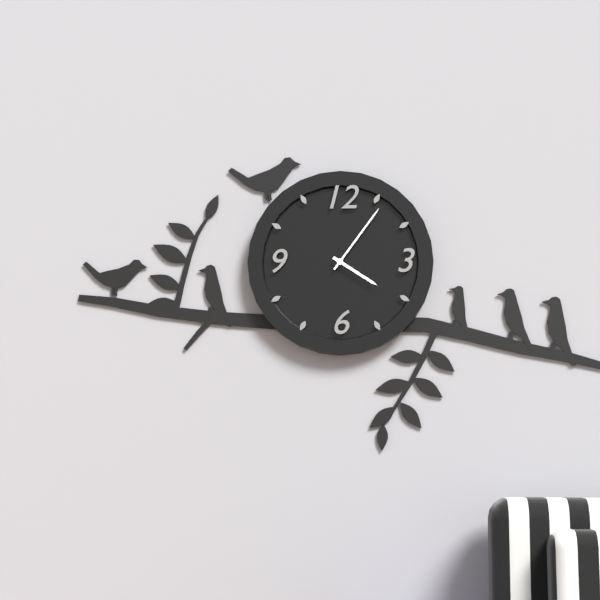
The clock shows 4 h 06 min
